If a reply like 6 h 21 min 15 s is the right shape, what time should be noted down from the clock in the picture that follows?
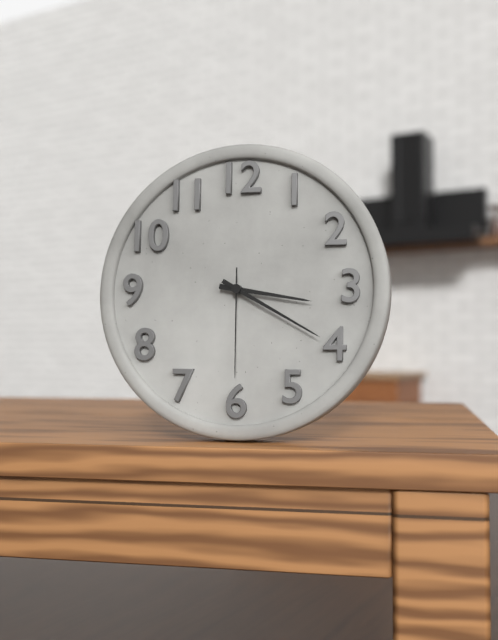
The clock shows 3 h 20 min 30 s
